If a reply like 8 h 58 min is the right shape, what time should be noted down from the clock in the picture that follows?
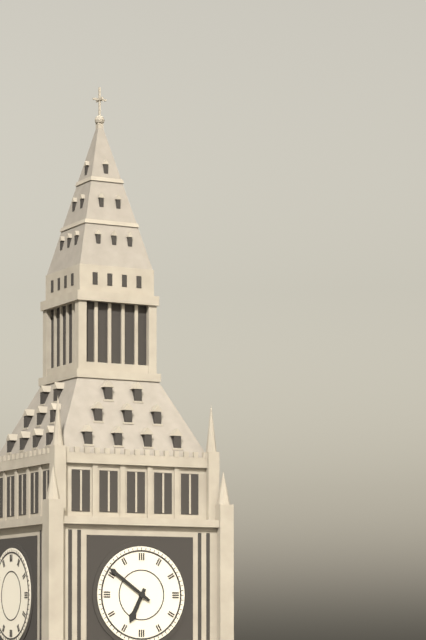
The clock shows 6 h 51 min
